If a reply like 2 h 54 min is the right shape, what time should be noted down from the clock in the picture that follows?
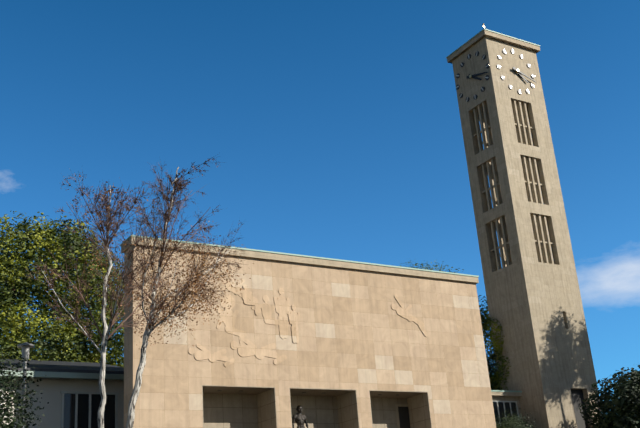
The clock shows 4 h 18 min
